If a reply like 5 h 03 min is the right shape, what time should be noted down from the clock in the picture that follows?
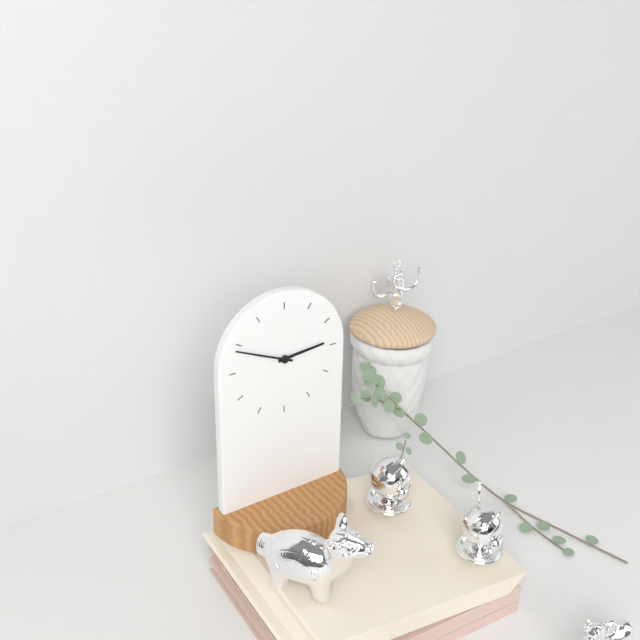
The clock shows 2 h 49 min
